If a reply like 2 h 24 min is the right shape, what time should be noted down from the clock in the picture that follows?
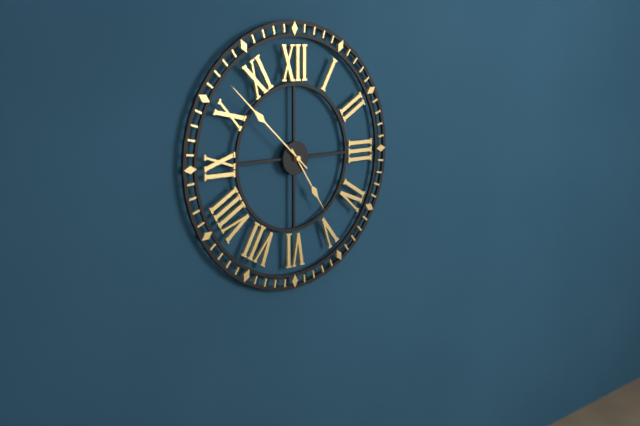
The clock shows 4 h 52 min
